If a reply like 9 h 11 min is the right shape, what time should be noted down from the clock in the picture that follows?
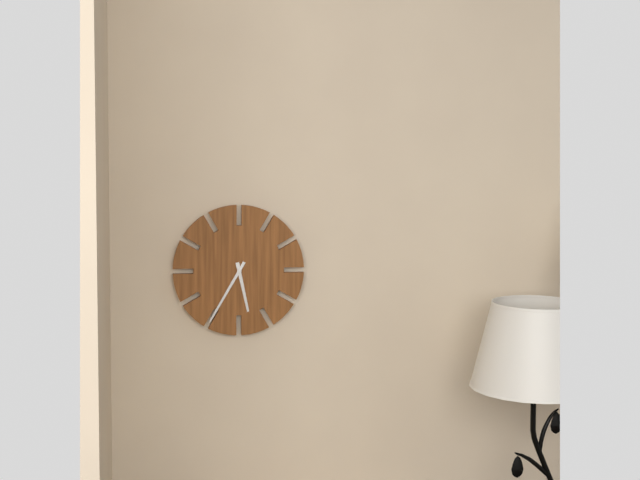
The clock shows 5 h 35 min
